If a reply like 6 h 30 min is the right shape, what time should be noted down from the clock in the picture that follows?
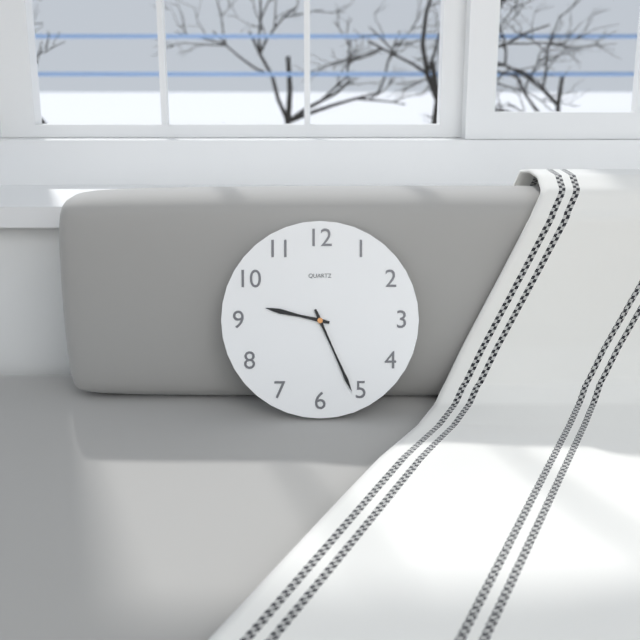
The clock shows 9 h 26 min
